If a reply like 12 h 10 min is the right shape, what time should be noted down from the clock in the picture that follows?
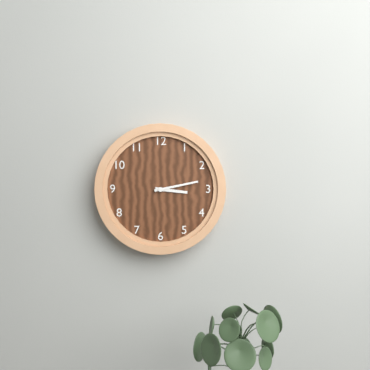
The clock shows 3 h 13 min
